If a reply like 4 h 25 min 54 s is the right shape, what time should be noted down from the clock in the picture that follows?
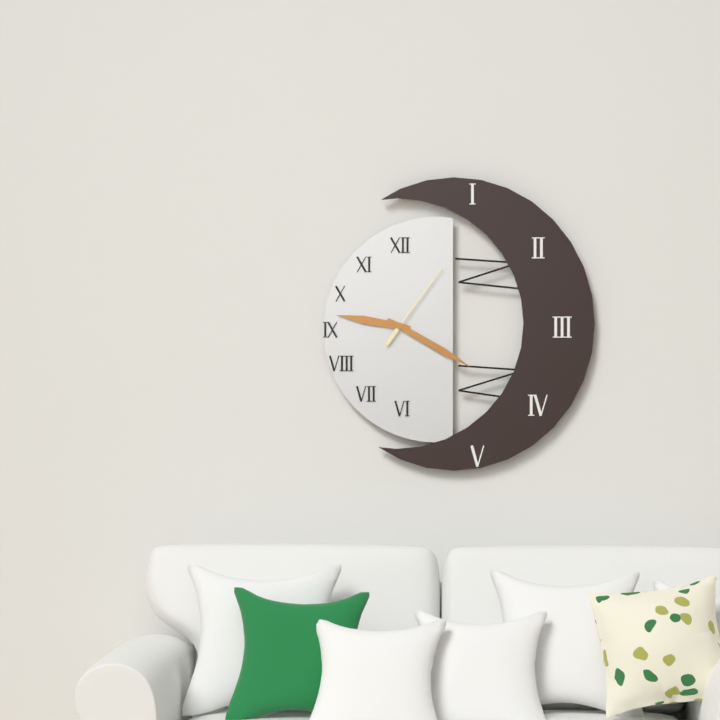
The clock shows 9 h 20 min 06 s
